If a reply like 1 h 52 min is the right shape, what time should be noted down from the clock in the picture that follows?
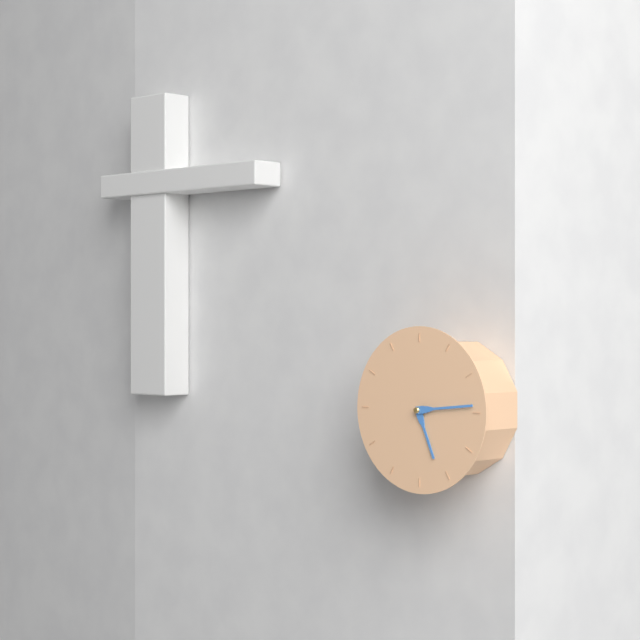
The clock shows 5 h 14 min
